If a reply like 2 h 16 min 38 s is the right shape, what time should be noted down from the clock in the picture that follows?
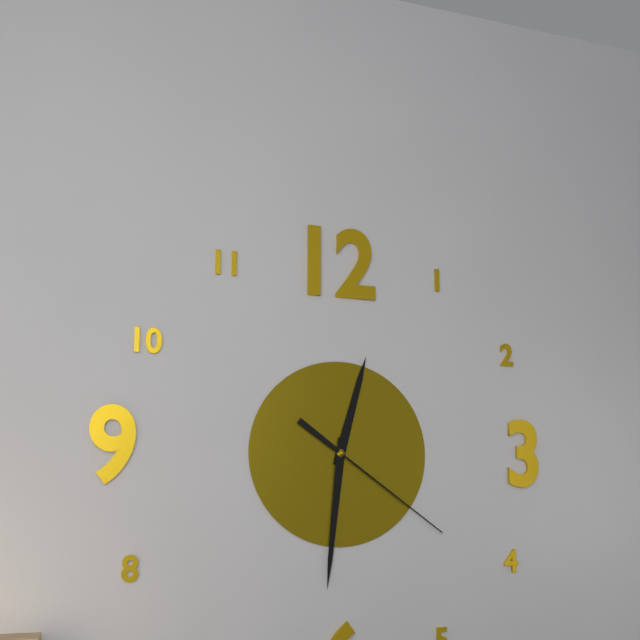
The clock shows 12 h 31 min 21 s
